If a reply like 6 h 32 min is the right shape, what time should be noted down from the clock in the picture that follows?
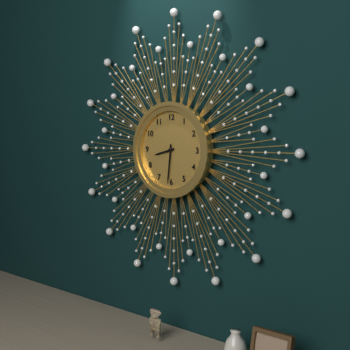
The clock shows 8 h 31 min
